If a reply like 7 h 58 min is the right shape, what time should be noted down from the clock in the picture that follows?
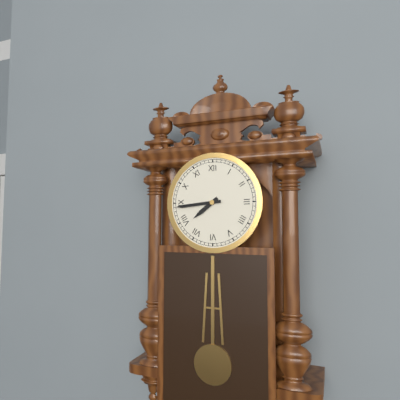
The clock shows 7 h 44 min
